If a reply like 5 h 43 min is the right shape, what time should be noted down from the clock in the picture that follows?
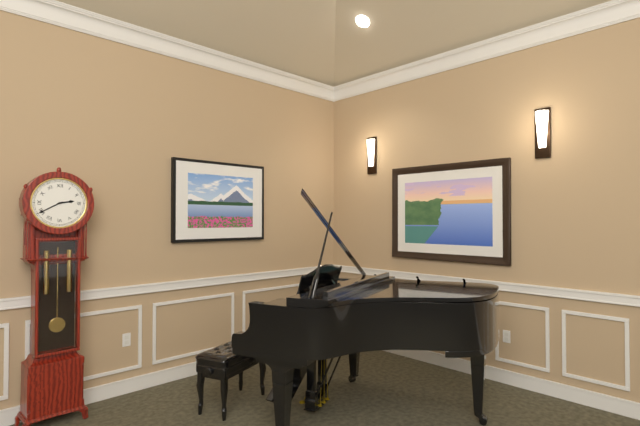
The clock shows 2 h 40 min
